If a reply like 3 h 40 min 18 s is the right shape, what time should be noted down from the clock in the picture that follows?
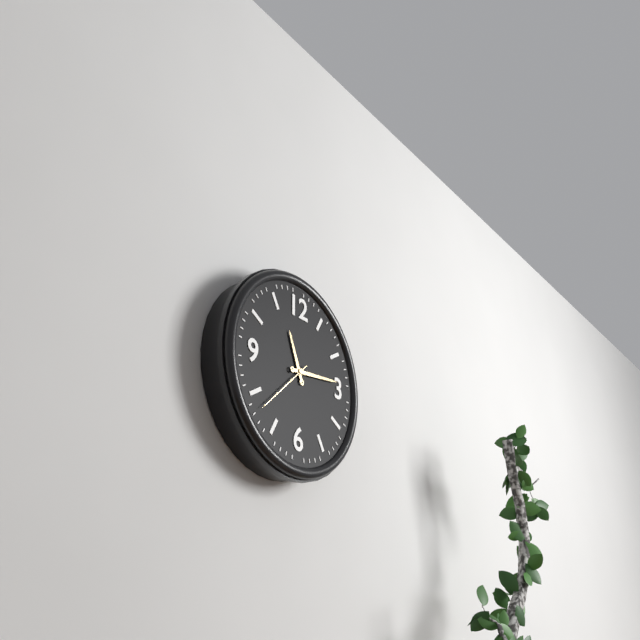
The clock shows 11 h 14 min 38 s
